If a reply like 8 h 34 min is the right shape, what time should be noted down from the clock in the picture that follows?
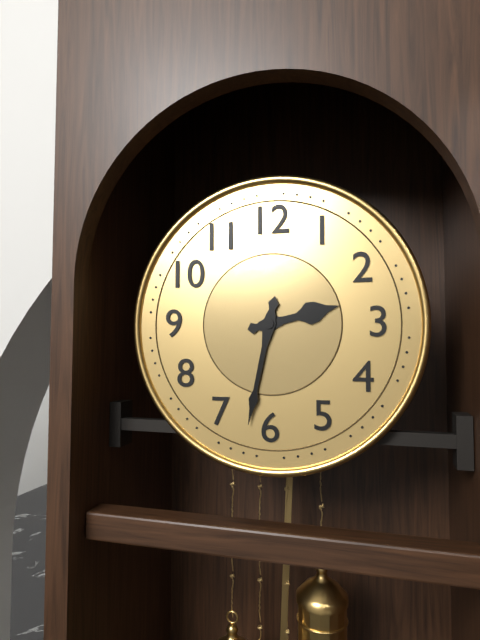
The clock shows 2 h 32 min
